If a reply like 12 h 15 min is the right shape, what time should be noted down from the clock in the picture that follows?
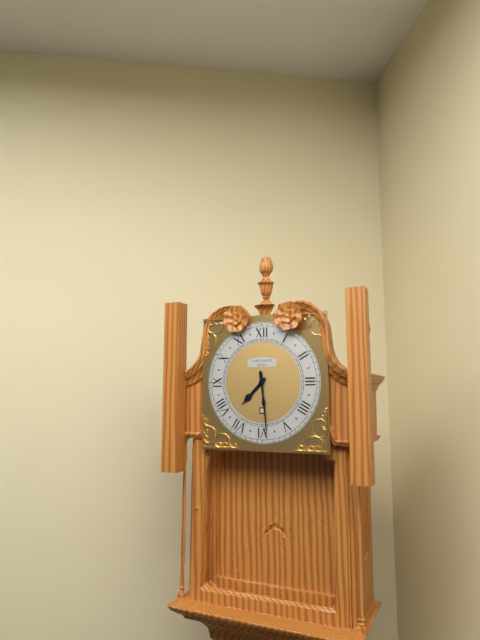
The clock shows 7 h 29 min
